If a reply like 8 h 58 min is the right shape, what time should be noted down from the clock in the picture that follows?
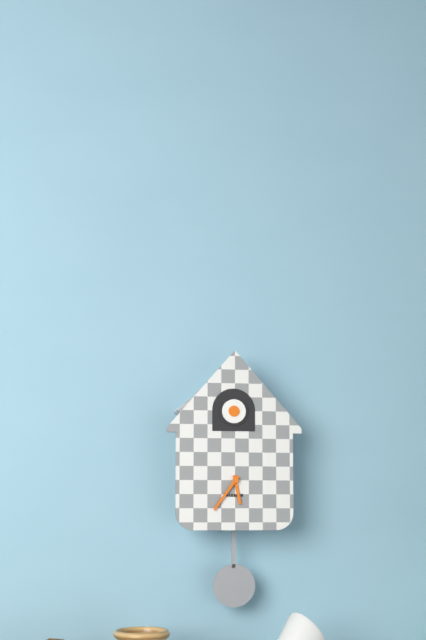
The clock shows 5 h 36 min
